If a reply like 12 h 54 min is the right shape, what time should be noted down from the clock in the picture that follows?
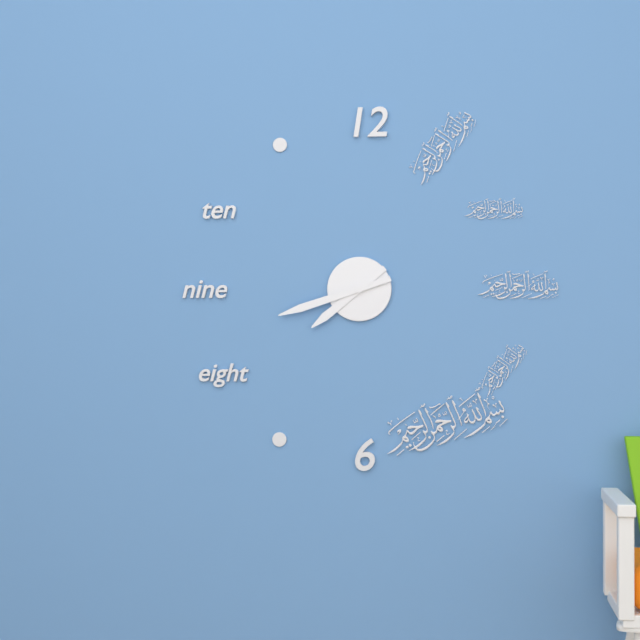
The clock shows 7 h 42 min
